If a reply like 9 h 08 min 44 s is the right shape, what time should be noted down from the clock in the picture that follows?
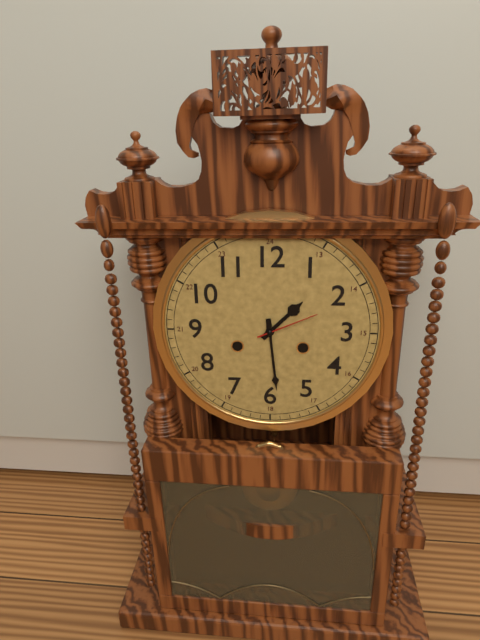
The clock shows 1 h 29 min 11 s
